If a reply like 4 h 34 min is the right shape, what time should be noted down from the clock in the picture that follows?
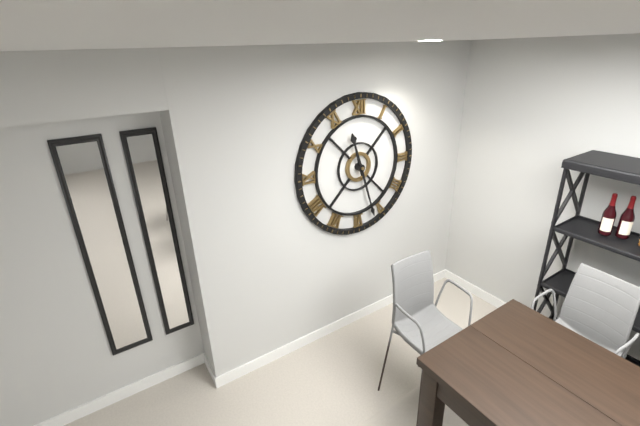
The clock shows 11 h 27 min
